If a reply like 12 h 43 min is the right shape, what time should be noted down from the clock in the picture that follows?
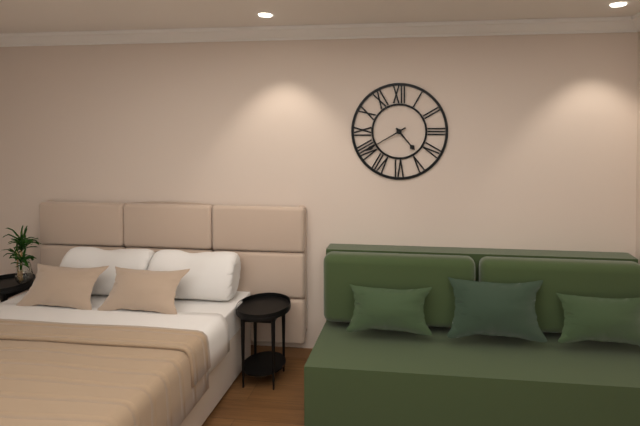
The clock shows 4 h 40 min
